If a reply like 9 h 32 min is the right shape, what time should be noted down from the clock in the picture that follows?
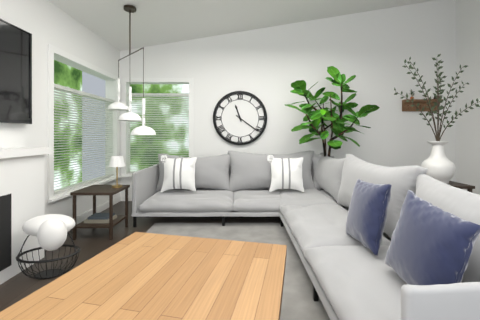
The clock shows 11 h 21 min
